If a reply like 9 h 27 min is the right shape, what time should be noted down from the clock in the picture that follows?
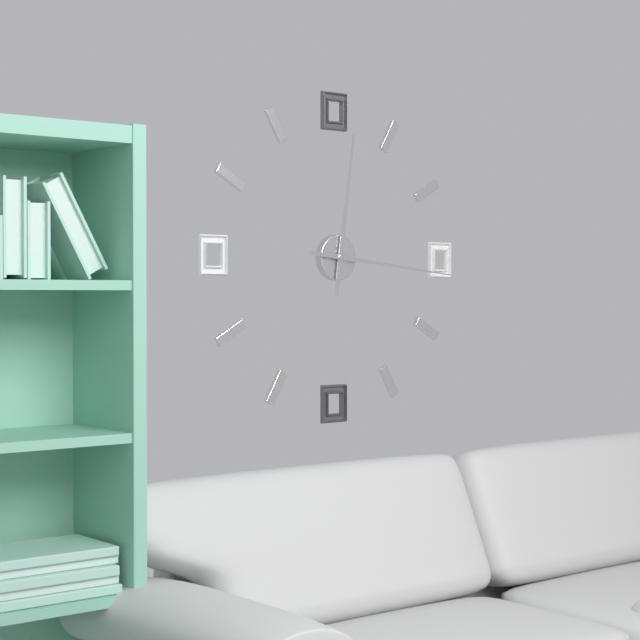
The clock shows 12 h 16 min
